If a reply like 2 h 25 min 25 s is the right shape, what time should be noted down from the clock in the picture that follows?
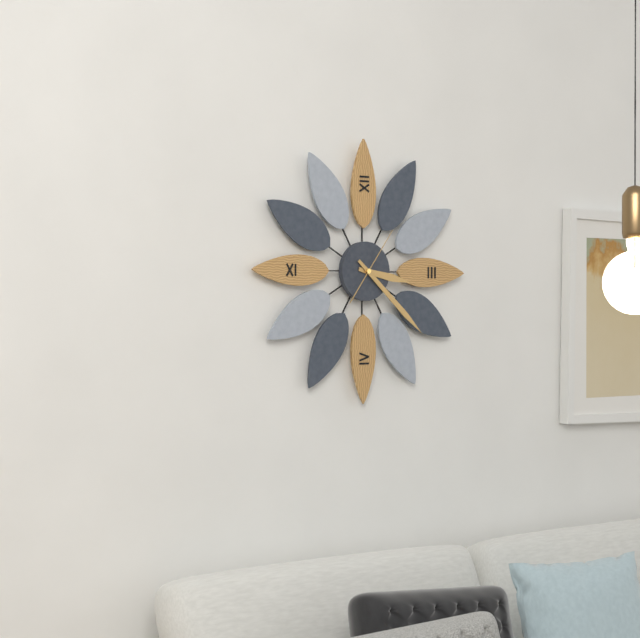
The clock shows 3 h 22 min 06 s
